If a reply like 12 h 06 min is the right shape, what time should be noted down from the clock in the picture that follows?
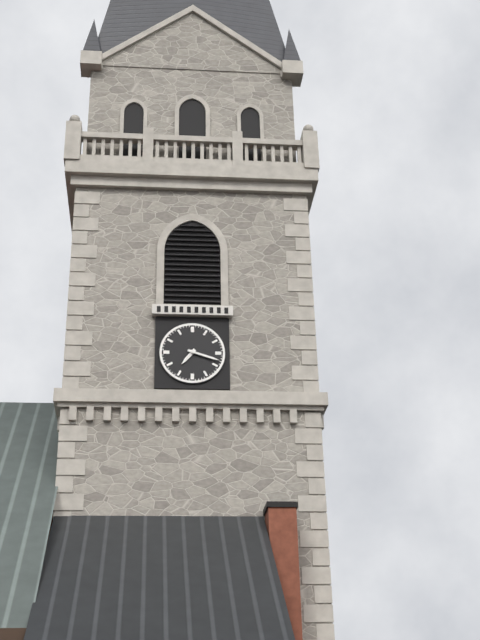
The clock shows 7 h 18 min
